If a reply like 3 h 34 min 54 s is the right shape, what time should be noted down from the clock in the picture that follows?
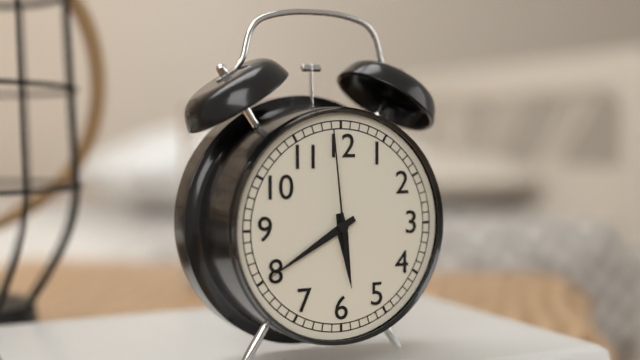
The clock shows 5 h 40 min 59 s
